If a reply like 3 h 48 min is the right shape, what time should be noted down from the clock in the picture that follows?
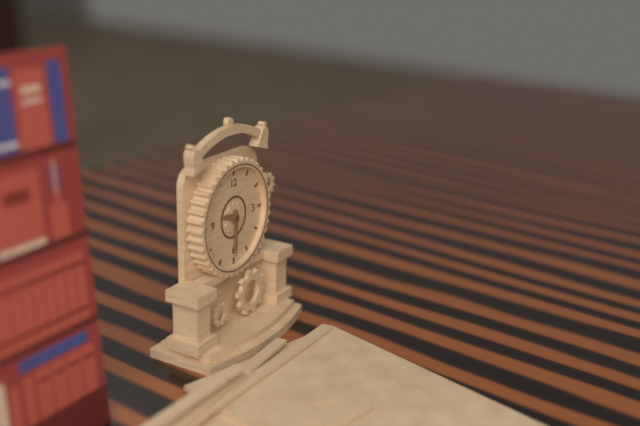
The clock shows 9 h 30 min
